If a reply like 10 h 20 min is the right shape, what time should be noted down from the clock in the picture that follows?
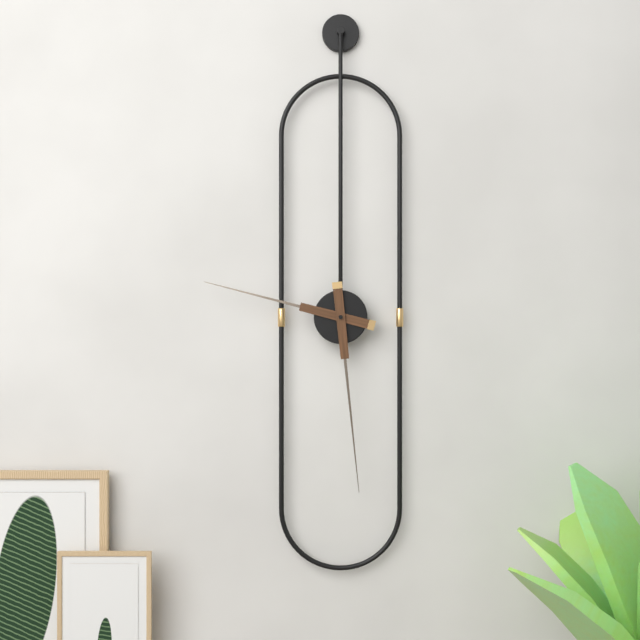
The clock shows 9 h 29 min
